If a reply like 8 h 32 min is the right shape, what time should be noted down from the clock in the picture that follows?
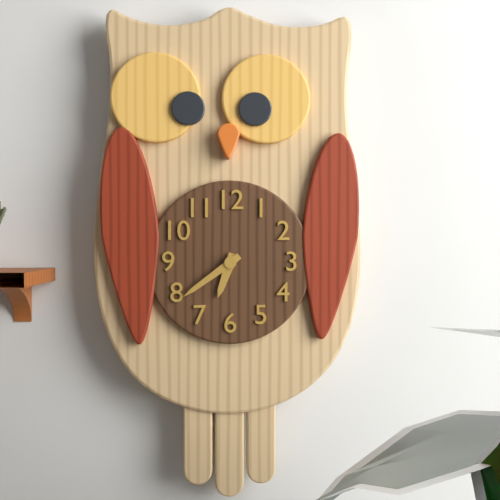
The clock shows 6 h 39 min
